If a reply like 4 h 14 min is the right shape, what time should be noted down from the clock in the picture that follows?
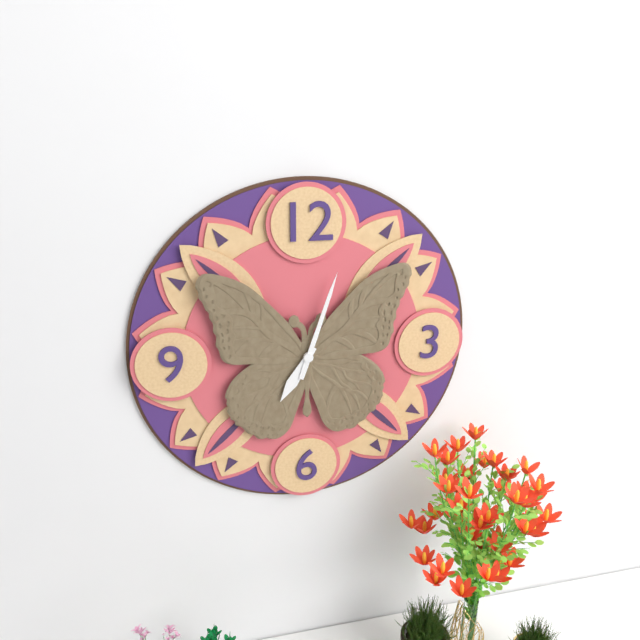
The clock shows 7 h 03 min
